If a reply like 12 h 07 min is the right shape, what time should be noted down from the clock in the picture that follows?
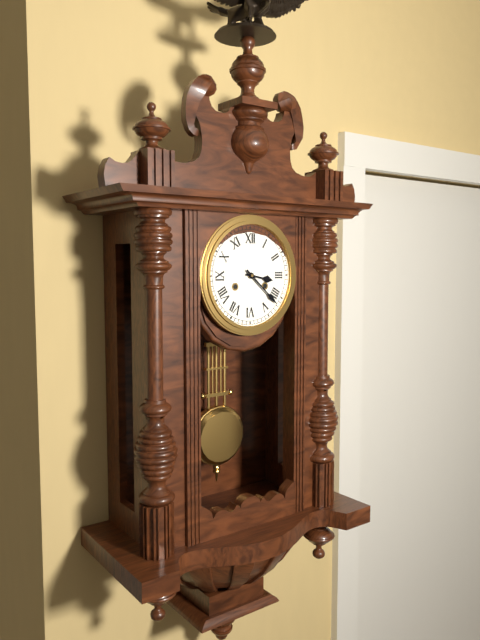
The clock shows 3 h 22 min
